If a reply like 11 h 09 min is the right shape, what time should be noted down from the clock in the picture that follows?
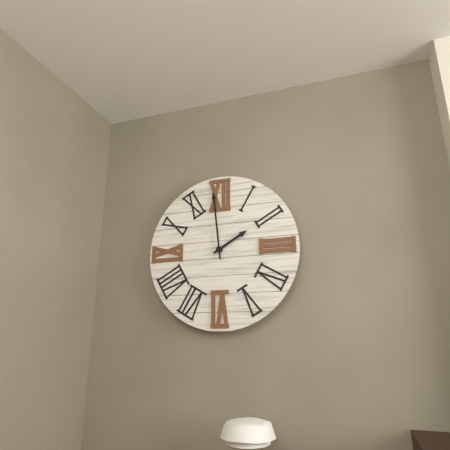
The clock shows 1 h 59 min
